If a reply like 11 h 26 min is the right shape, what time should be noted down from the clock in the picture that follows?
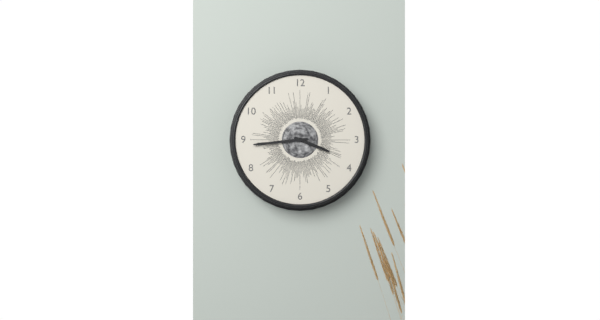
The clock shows 3 h 44 min
